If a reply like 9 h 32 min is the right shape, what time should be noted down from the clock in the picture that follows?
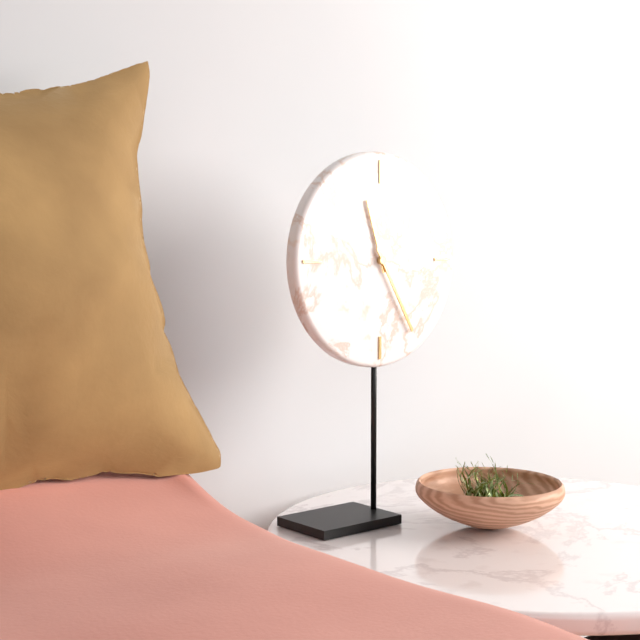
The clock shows 11 h 25 min
